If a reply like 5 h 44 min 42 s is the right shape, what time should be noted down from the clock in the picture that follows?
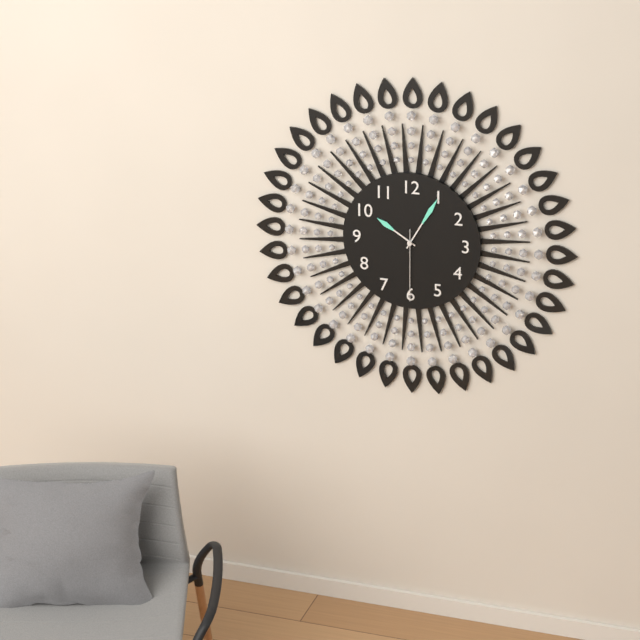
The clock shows 10 h 05 min 30 s
